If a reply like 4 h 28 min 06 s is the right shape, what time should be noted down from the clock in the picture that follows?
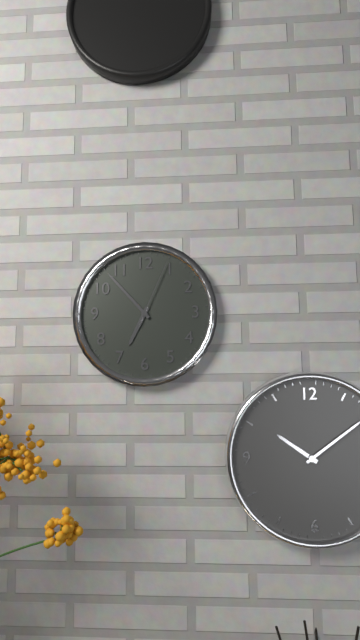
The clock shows 6 h 53 min 04 s
